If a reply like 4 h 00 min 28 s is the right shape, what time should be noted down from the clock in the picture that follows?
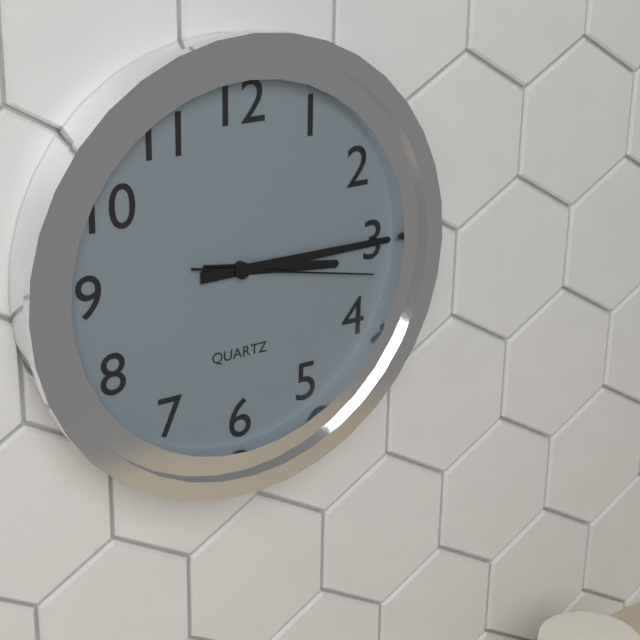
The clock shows 3 h 15 min 17 s
